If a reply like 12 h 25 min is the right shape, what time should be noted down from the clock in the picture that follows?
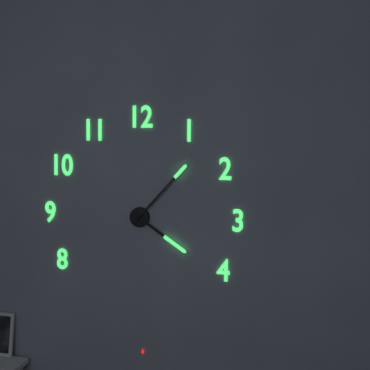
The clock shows 4 h 07 min
